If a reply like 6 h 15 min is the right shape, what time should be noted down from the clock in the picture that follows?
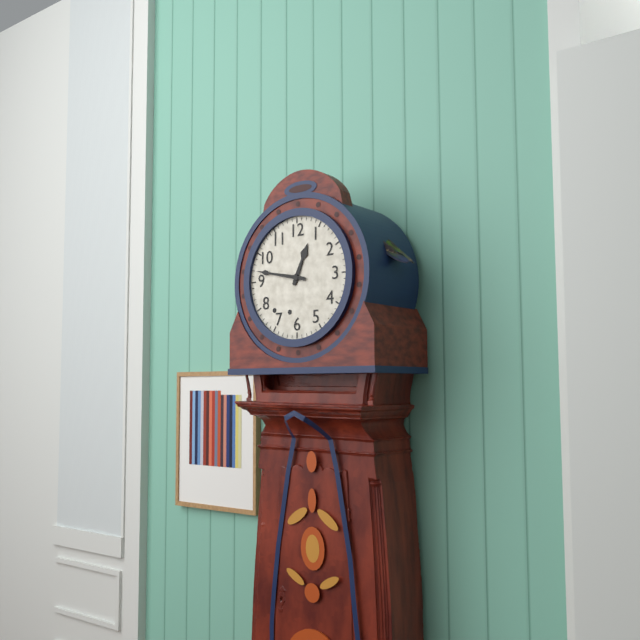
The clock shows 12 h 47 min
